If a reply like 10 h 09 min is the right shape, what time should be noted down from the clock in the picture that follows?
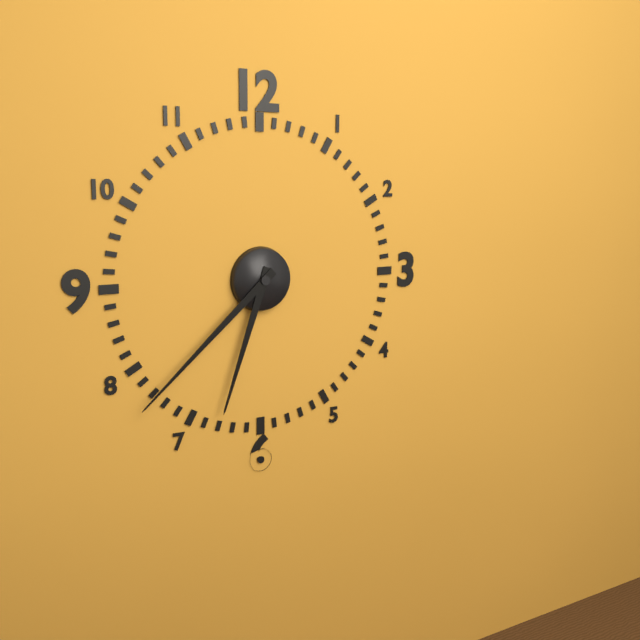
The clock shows 6 h 38 min
